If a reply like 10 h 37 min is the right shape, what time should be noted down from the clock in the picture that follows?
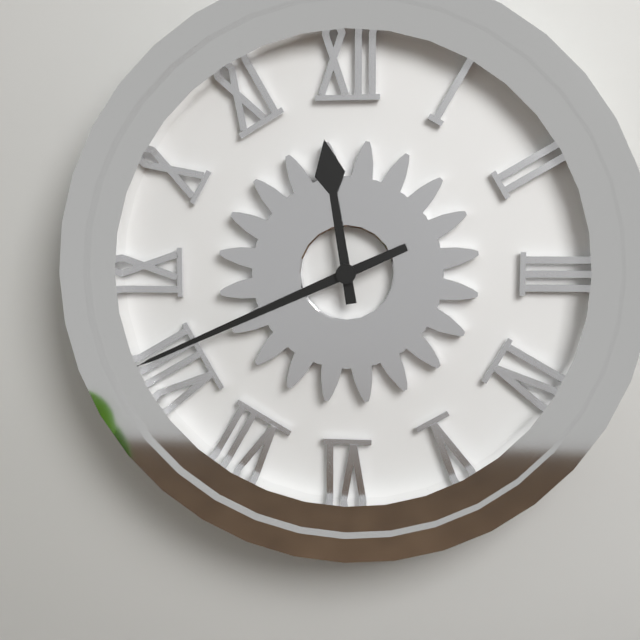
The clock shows 11 h 41 min
